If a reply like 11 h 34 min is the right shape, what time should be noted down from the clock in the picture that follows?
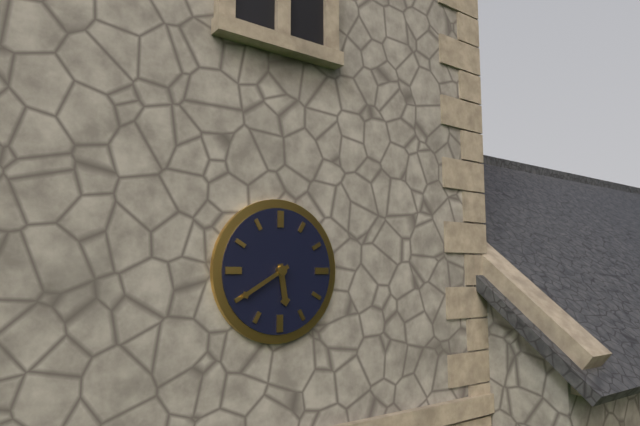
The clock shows 5 h 40 min
